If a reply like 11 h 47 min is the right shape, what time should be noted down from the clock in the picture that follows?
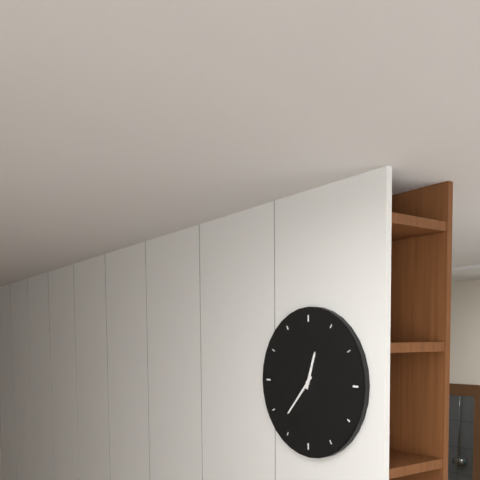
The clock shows 12 h 37 min
